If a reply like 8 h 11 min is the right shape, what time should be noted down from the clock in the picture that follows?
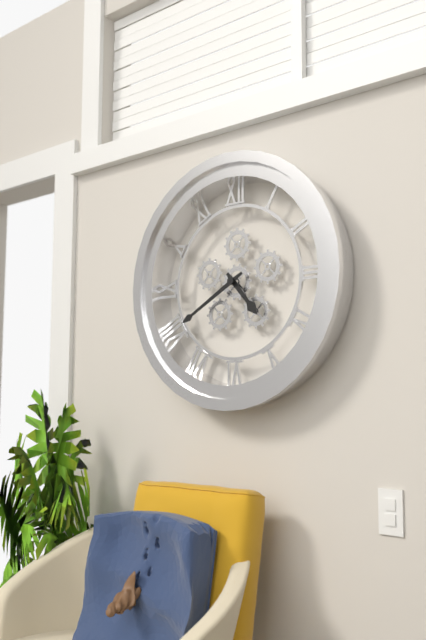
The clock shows 4 h 40 min
